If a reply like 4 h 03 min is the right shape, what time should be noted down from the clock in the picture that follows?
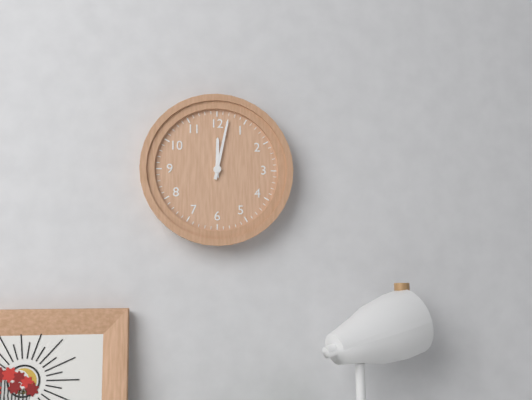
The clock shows 12 h 02 min
